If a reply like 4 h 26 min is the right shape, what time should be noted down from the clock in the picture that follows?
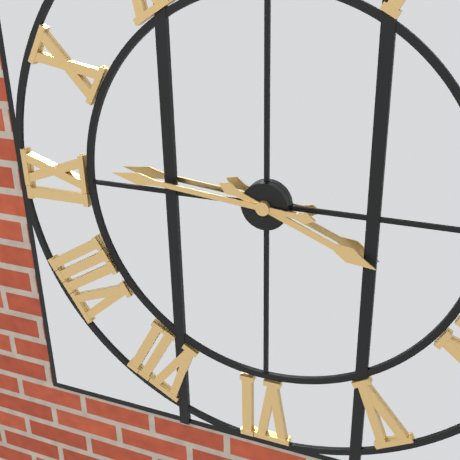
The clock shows 3 h 46 min
